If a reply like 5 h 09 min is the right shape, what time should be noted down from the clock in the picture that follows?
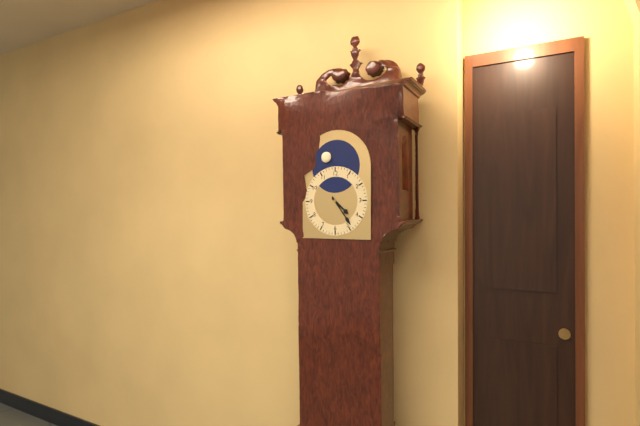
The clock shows 4 h 24 min
